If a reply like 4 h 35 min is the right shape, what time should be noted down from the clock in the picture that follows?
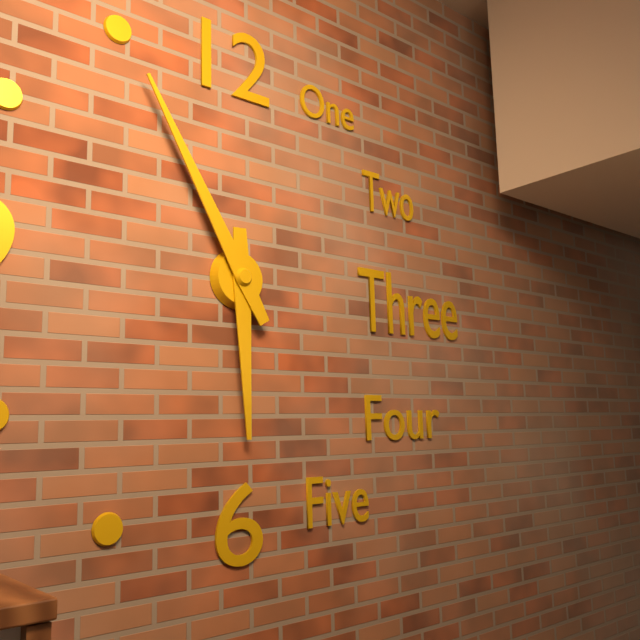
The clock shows 5 h 55 min
